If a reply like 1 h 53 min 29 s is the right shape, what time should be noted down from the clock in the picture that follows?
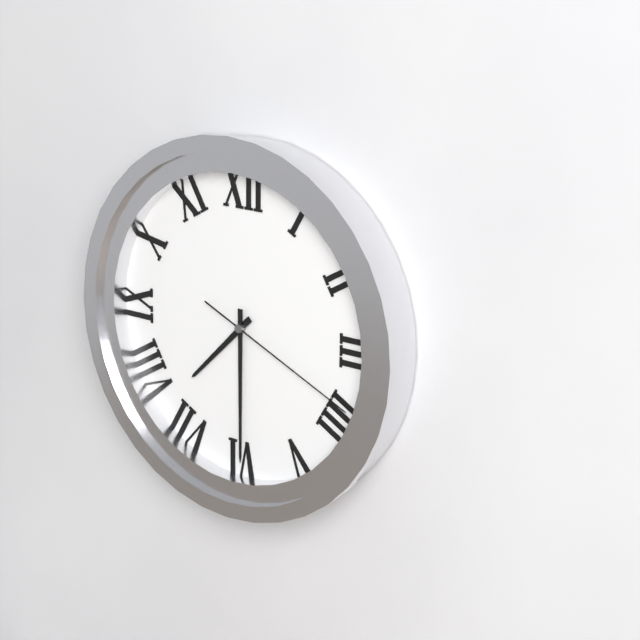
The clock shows 7 h 30 min 19 s
